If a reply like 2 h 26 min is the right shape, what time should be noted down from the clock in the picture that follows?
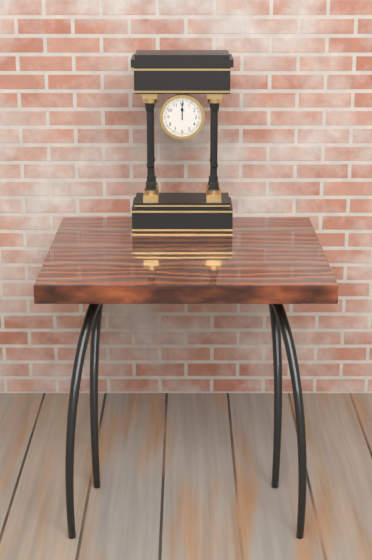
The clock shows 12 h 00 min
